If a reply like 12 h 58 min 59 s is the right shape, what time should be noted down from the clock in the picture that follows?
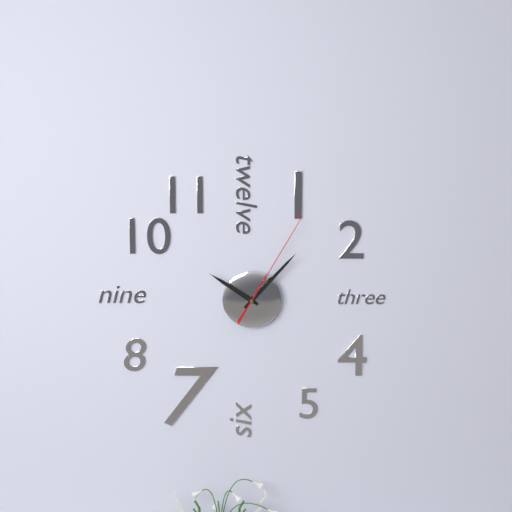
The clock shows 10 h 07 min 05 s
